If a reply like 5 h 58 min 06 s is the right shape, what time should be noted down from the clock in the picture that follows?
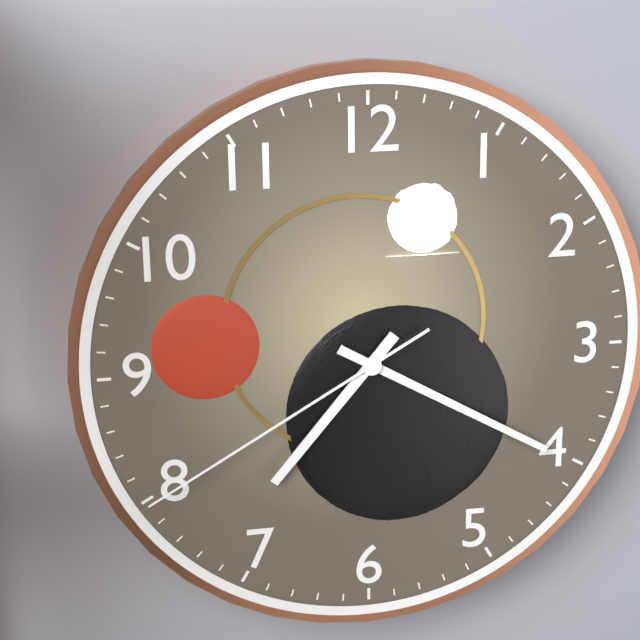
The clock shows 7 h 20 min 40 s
